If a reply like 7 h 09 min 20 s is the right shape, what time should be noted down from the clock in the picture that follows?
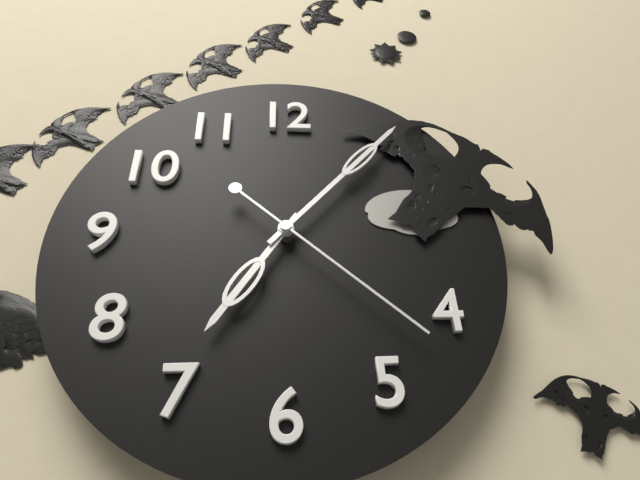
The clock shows 7 h 07 min 22 s
